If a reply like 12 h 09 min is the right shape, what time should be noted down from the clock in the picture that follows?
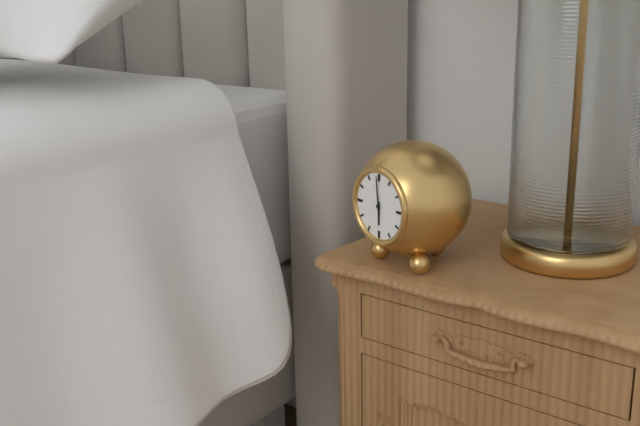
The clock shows 5 h 59 min
